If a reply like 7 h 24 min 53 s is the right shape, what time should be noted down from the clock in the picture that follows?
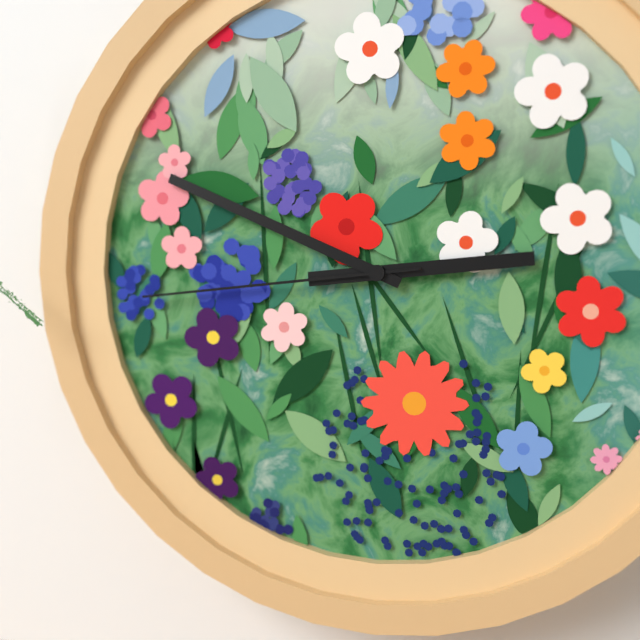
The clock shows 2 h 49 min 44 s
